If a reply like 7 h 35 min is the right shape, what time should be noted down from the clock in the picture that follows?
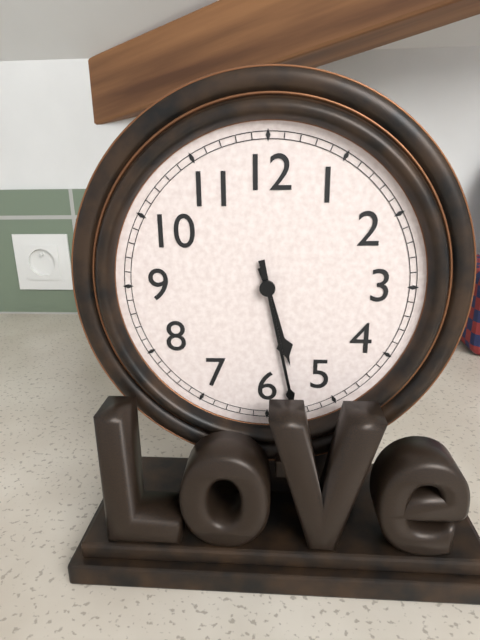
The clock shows 5 h 28 min
